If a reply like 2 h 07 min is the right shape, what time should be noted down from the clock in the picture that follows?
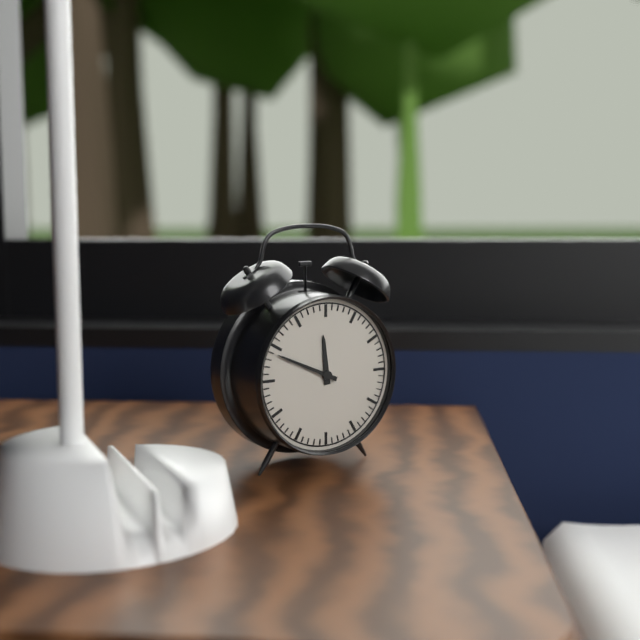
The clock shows 11 h 49 min
